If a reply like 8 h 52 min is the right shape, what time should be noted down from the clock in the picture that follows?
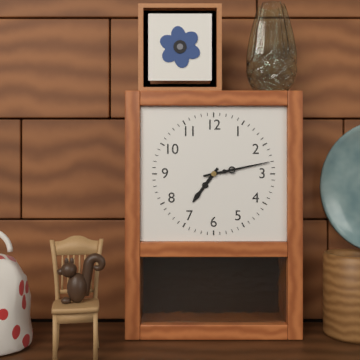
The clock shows 7 h 13 min
